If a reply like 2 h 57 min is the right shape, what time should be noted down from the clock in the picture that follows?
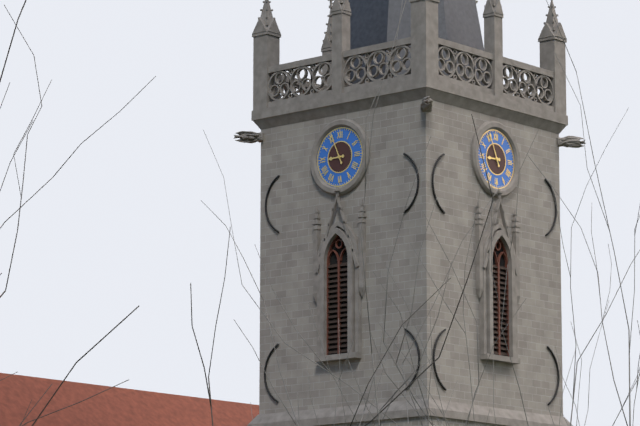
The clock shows 8 h 56 min
